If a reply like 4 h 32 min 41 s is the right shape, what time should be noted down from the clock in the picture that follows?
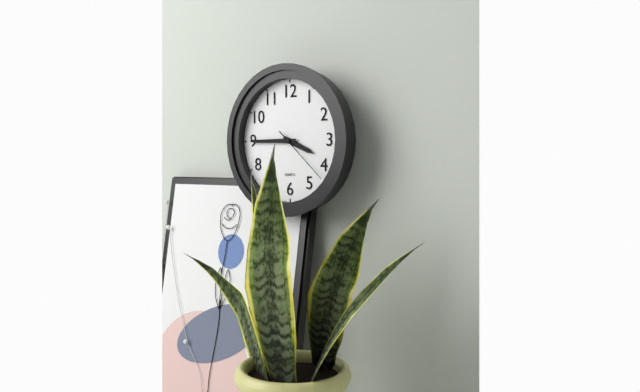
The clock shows 3 h 45 min 22 s
